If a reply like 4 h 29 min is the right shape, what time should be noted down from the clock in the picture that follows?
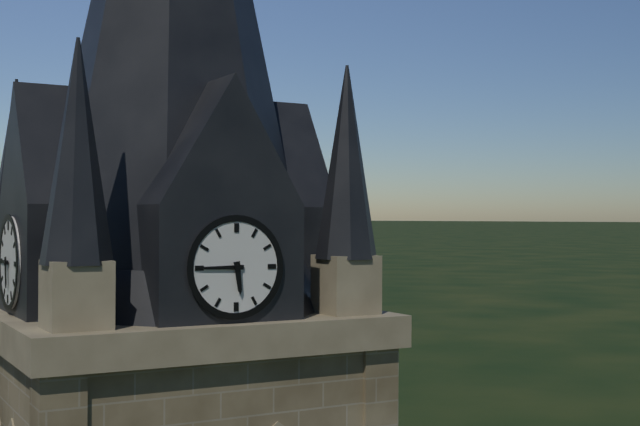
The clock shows 5 h 45 min
